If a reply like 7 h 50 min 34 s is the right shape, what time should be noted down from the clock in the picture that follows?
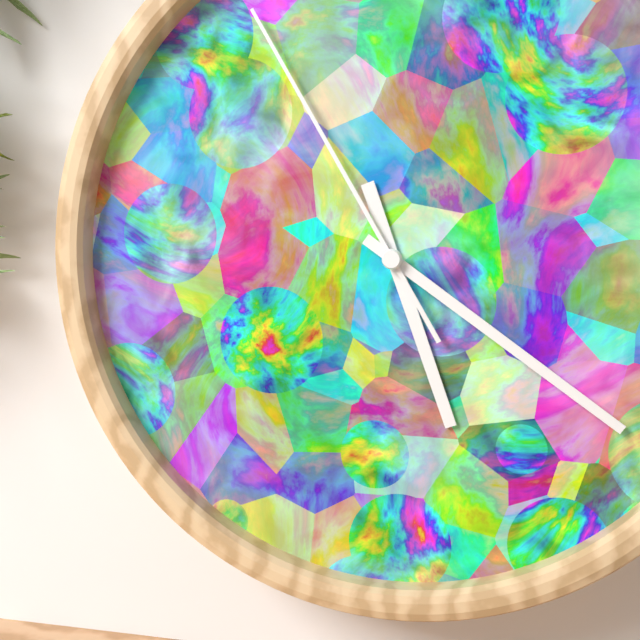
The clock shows 5 h 21 min 55 s
